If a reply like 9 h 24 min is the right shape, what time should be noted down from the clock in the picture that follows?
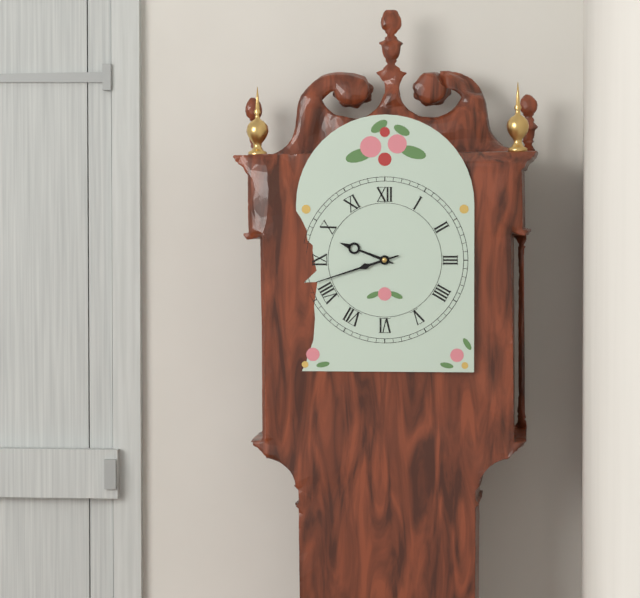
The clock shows 9 h 42 min
